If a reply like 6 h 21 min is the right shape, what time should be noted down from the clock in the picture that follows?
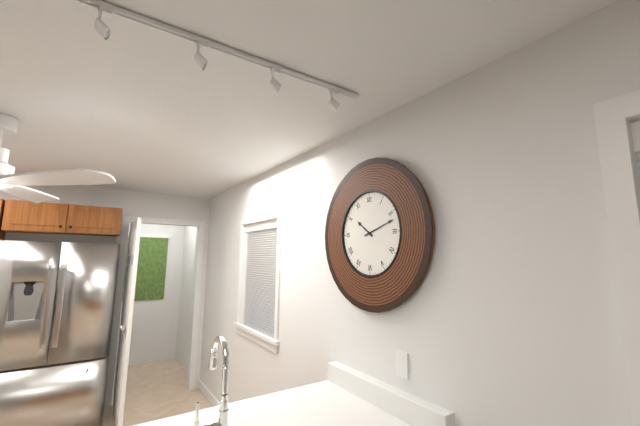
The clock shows 10 h 12 min
